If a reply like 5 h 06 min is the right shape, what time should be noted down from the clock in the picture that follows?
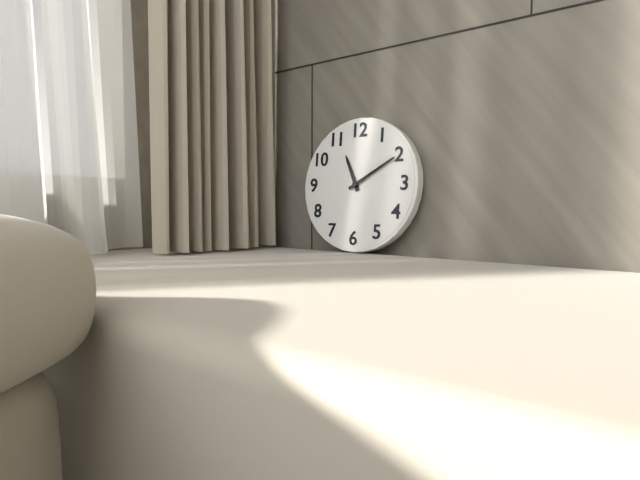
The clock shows 11 h 10 min
